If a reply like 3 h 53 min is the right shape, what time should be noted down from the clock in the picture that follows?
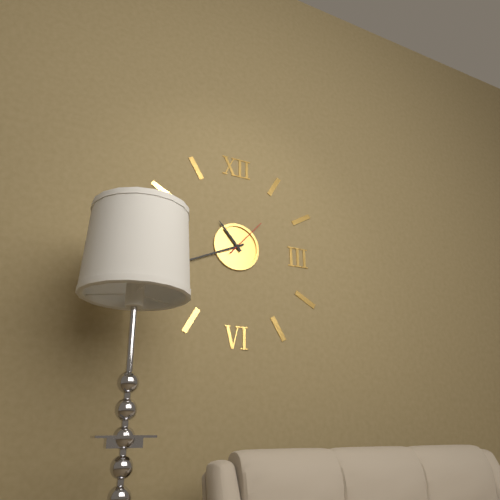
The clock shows 10 h 41 min
